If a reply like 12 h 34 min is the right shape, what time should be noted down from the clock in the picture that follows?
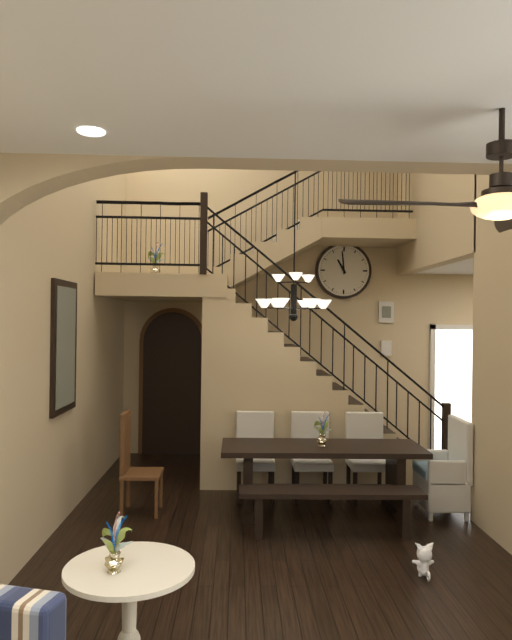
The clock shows 10 h 59 min
